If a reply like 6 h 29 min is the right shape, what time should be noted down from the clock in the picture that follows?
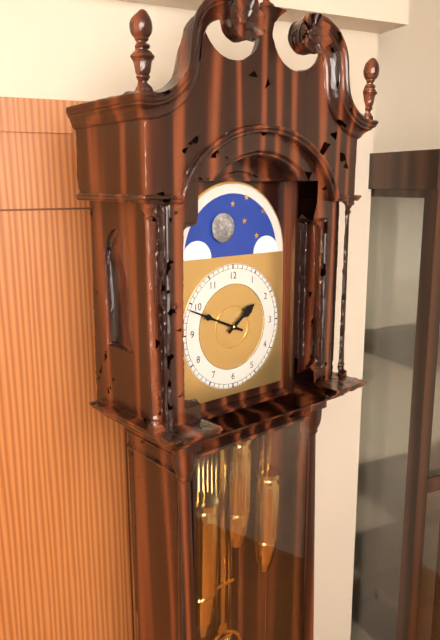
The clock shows 1 h 49 min
